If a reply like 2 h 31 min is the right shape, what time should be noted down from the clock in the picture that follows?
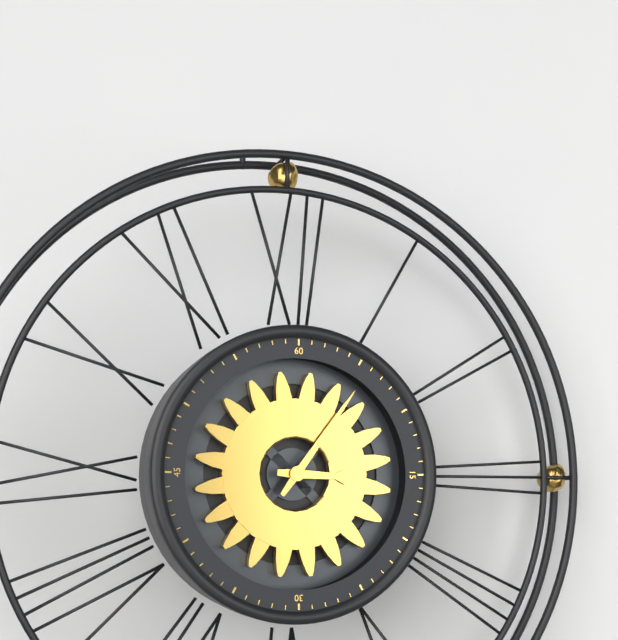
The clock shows 3 h 06 min
